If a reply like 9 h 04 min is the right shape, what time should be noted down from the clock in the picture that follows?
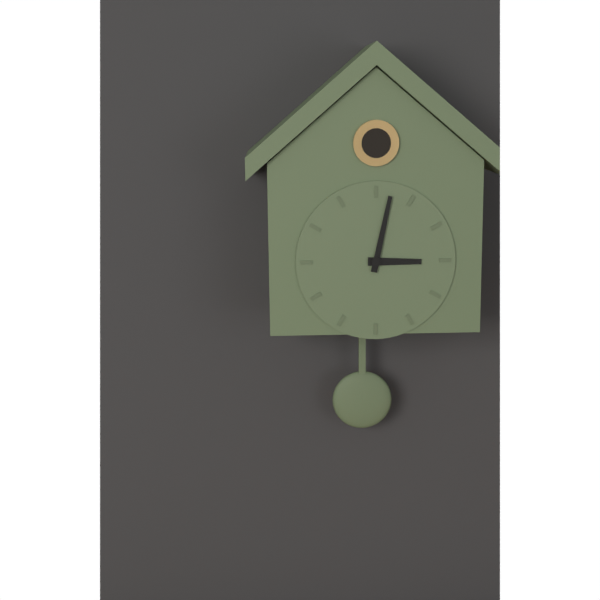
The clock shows 3 h 02 min
